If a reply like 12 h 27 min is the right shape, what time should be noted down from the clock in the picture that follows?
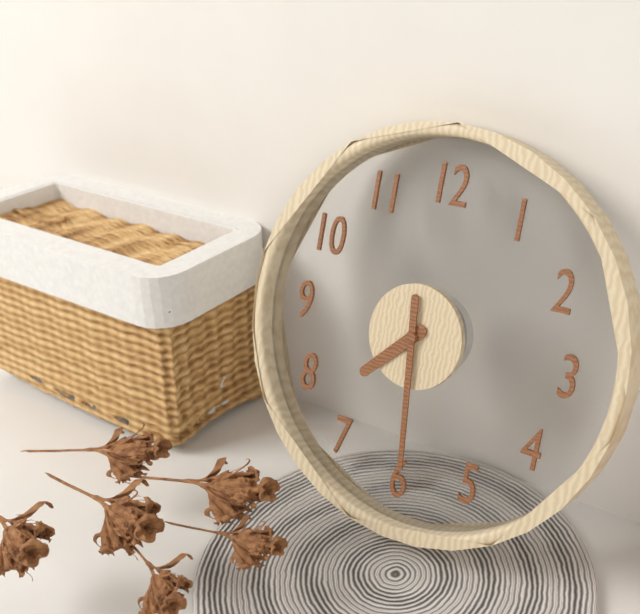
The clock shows 7 h 29 min
